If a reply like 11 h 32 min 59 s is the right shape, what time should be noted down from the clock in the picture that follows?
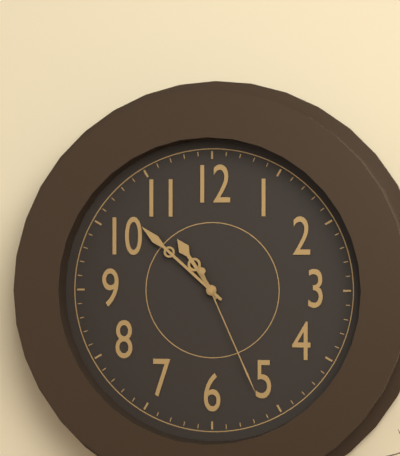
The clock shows 10 h 52 min 26 s
